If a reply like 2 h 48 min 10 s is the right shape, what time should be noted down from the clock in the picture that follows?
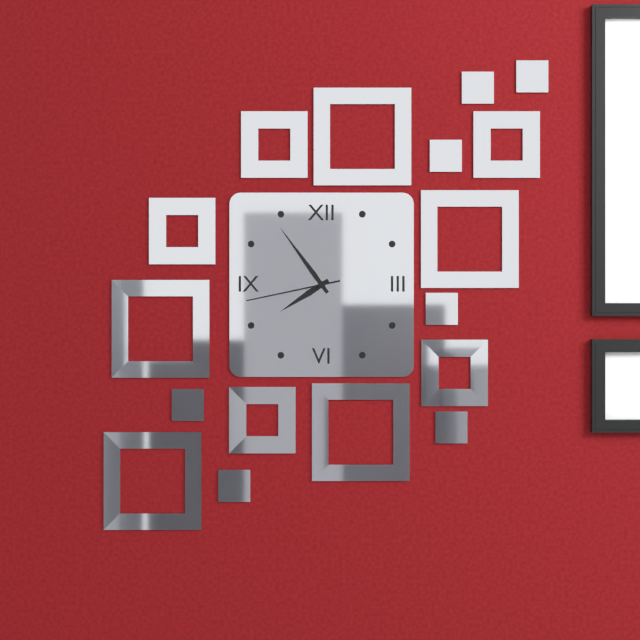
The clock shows 7 h 54 min 43 s
